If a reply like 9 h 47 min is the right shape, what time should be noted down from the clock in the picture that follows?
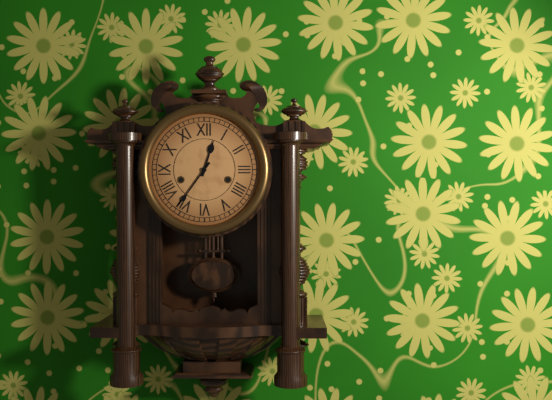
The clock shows 12 h 36 min
